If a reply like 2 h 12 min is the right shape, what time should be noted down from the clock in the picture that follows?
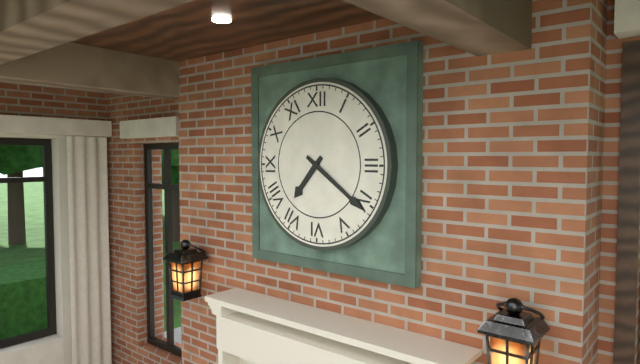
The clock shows 7 h 21 min
